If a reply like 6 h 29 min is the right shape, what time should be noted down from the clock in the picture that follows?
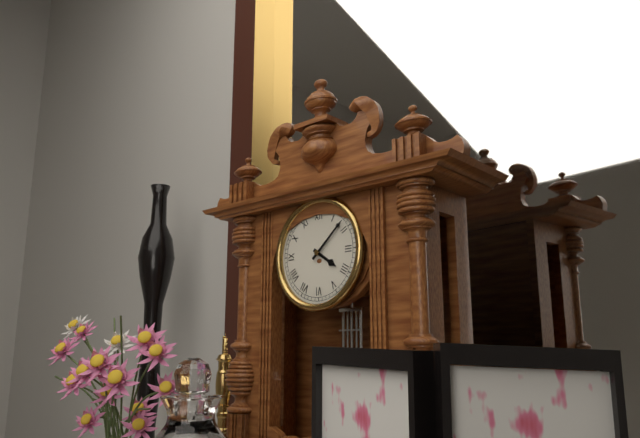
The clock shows 4 h 08 min
